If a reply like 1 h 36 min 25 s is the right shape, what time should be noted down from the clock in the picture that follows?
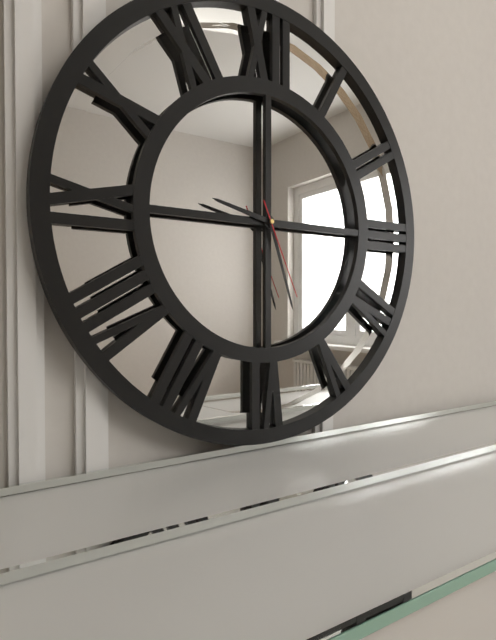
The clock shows 9 h 27 min 26 s
